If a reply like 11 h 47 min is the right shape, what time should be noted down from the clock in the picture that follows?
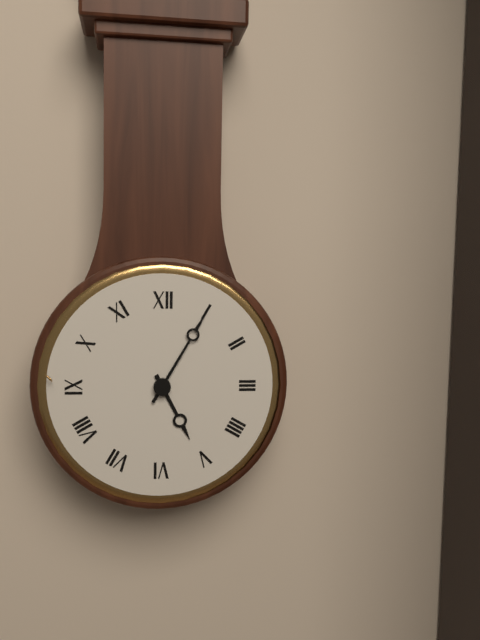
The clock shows 5 h 05 min
